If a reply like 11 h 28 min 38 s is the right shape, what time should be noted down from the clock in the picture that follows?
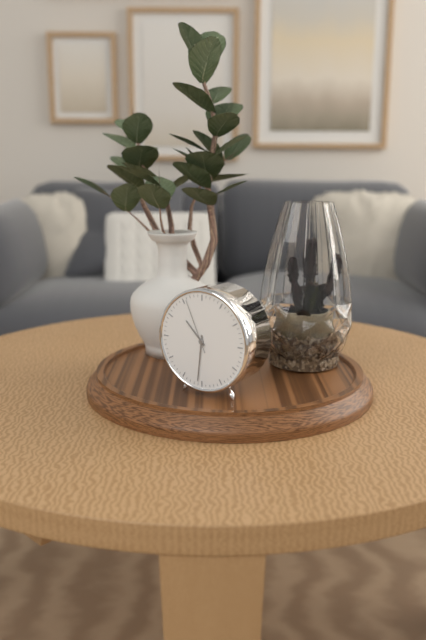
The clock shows 10 h 31 min 56 s
